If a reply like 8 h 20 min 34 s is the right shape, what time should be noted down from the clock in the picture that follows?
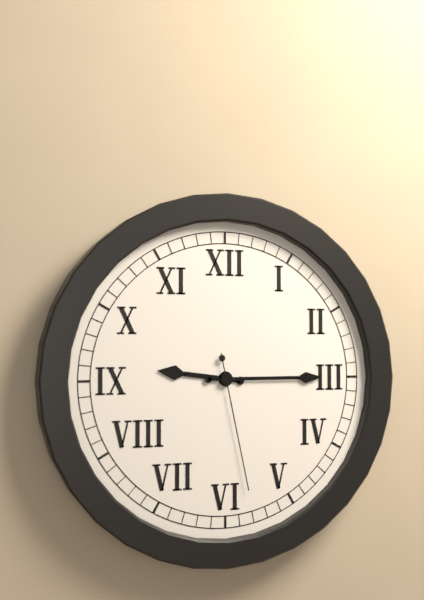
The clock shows 9 h 15 min 28 s
